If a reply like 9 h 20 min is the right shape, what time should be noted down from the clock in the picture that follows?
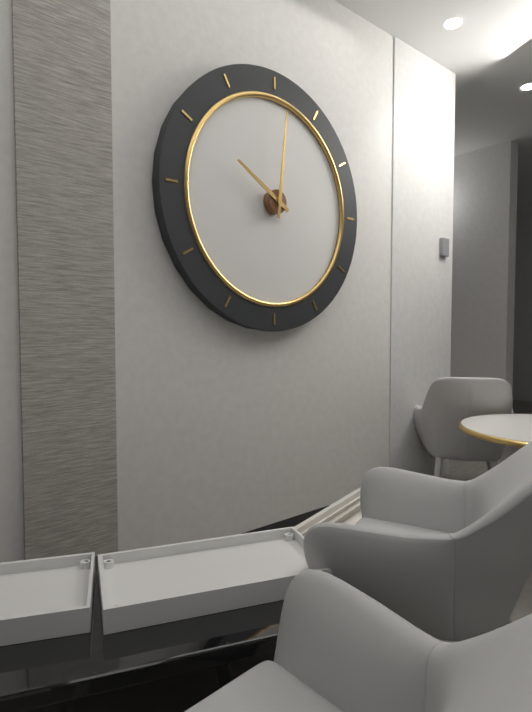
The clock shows 10 h 01 min
